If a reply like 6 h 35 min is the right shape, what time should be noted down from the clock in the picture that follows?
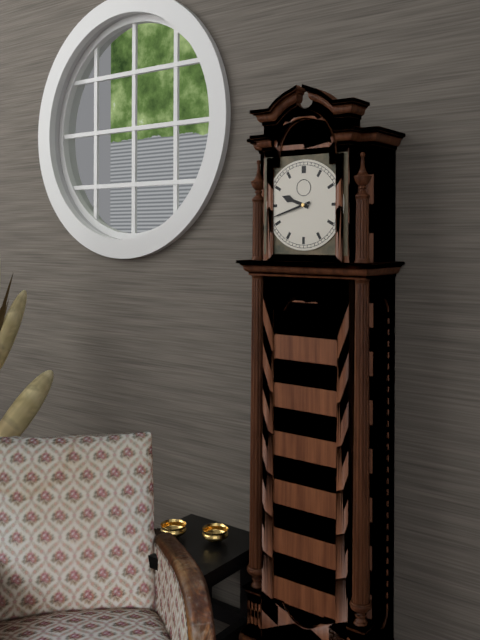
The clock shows 9 h 42 min
